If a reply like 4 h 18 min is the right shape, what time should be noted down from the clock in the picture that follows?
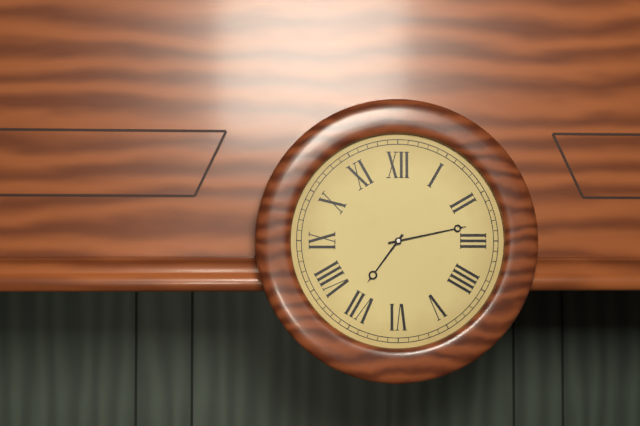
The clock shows 7 h 13 min
